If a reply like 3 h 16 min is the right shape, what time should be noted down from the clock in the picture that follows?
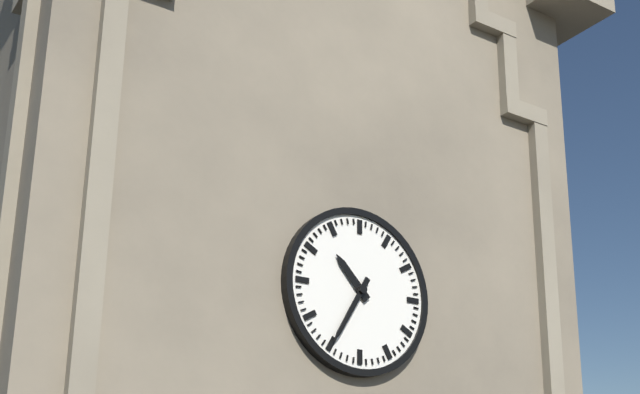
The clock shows 10 h 35 min
